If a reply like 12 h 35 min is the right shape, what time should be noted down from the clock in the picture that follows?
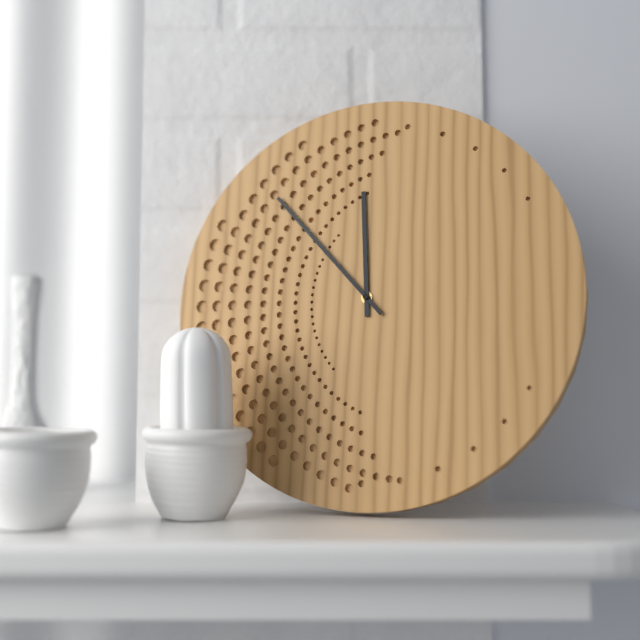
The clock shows 11 h 53 min
